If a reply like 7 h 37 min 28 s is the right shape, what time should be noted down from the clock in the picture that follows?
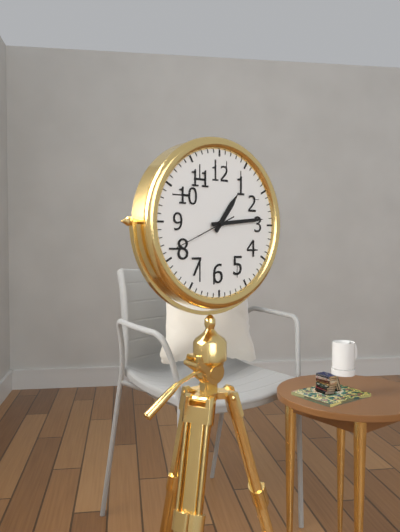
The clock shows 1 h 14 min 41 s
